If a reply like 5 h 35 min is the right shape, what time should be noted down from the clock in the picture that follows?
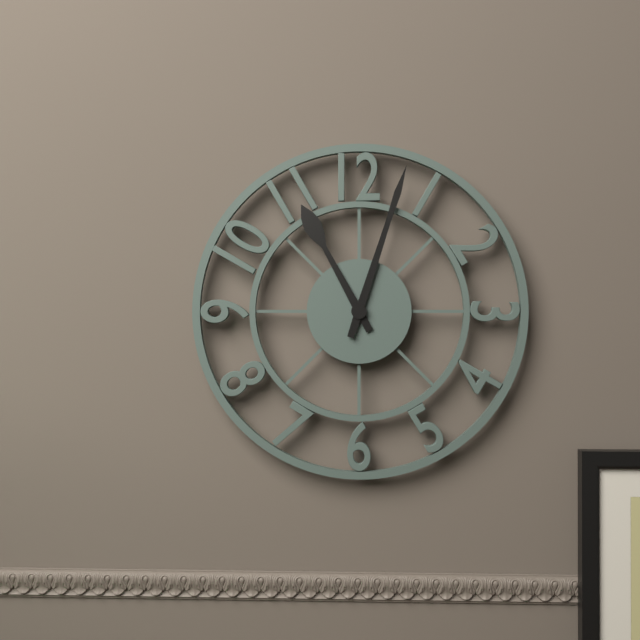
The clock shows 11 h 03 min
